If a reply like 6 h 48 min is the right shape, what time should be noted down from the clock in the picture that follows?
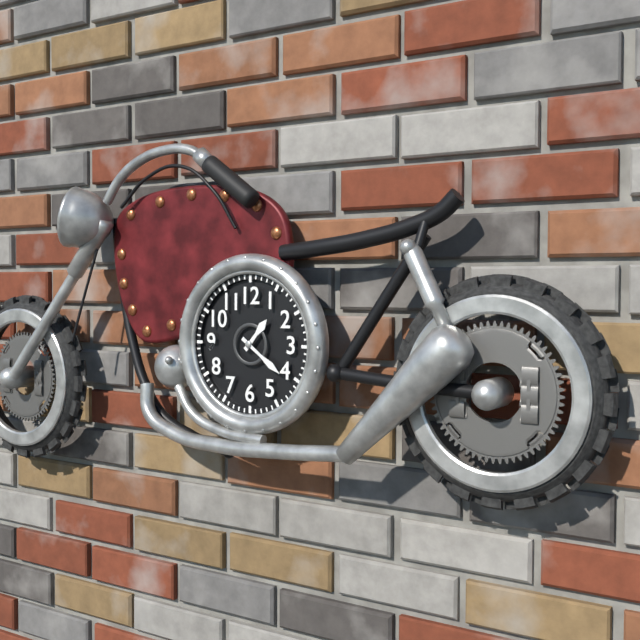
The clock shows 1 h 21 min
